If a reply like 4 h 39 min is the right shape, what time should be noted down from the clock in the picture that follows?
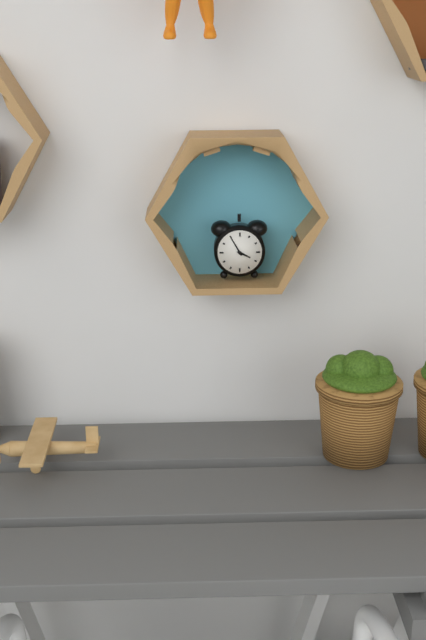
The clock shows 3 h 55 min
